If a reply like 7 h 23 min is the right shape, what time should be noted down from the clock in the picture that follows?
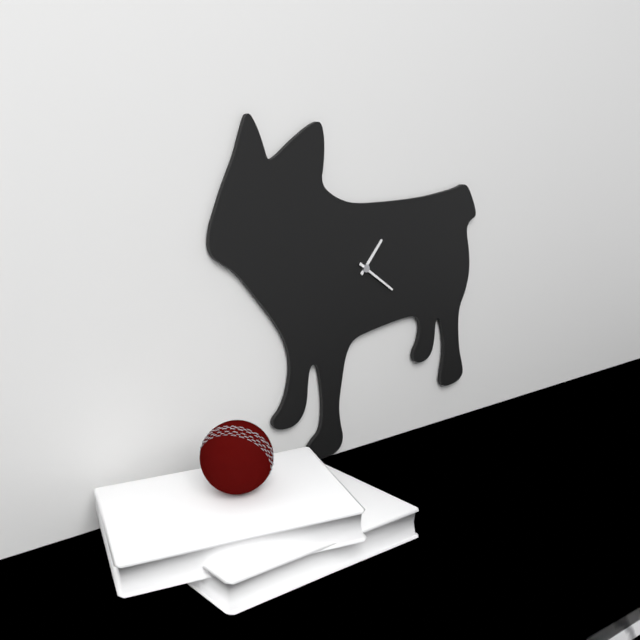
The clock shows 1 h 21 min
